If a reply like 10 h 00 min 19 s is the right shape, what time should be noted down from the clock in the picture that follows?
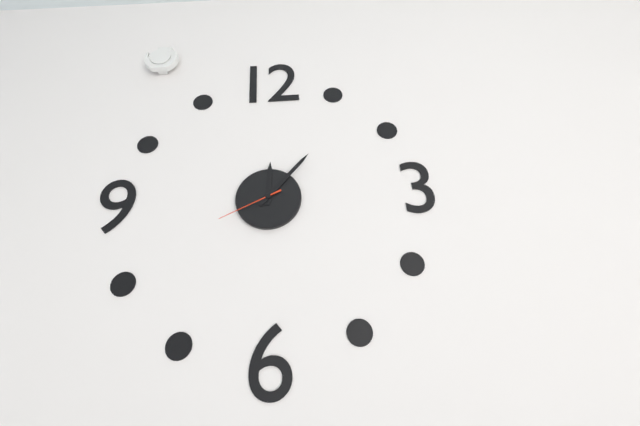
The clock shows 12 h 07 min 41 s
